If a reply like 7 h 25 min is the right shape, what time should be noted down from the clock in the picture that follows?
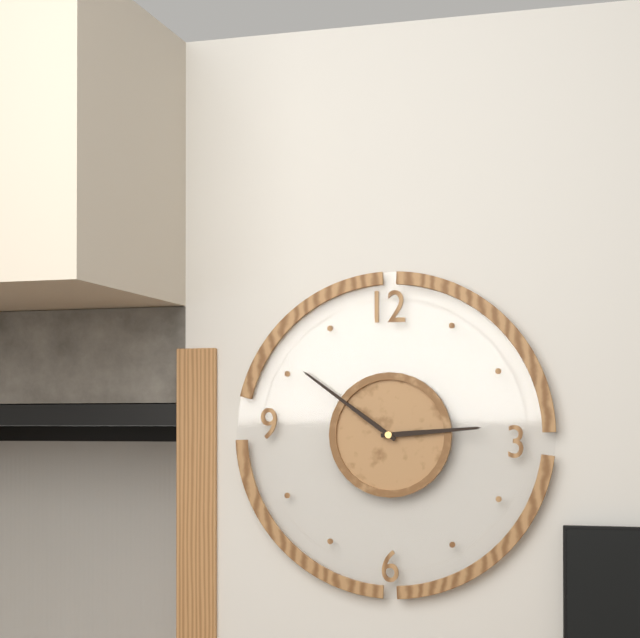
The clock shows 2 h 51 min
